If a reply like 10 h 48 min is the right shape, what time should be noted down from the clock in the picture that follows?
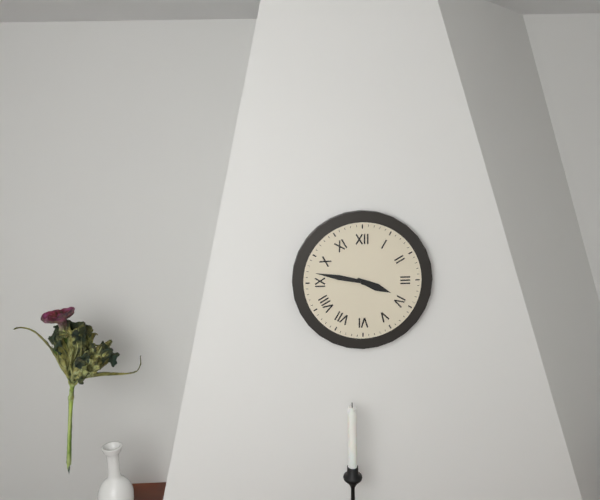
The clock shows 3 h 47 min
